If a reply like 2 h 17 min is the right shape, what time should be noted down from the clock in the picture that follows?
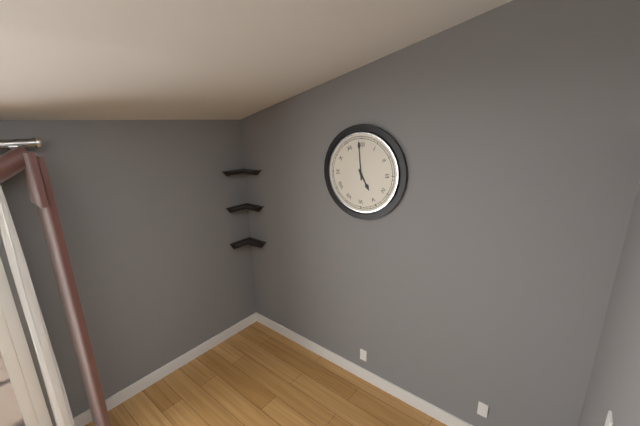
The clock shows 4 h 59 min
